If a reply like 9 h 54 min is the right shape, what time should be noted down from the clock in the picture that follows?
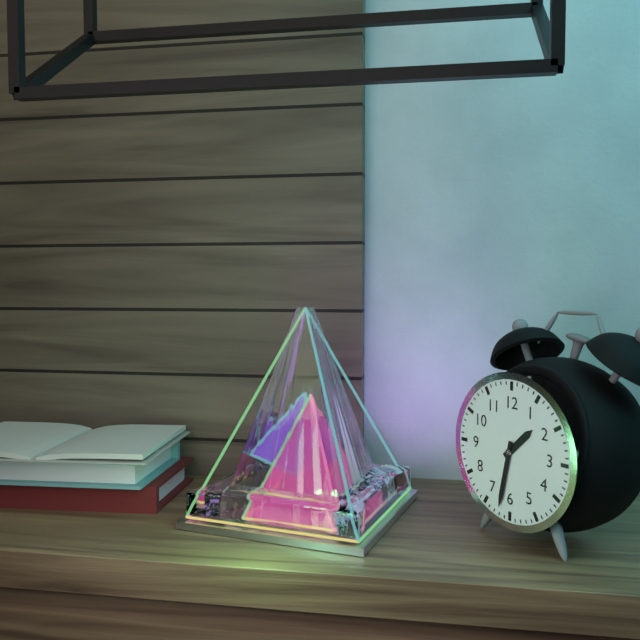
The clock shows 1 h 32 min
